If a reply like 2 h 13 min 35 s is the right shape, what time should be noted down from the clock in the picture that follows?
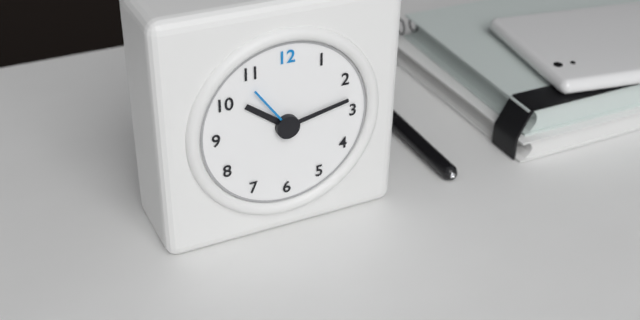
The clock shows 10 h 13 min 54 s
